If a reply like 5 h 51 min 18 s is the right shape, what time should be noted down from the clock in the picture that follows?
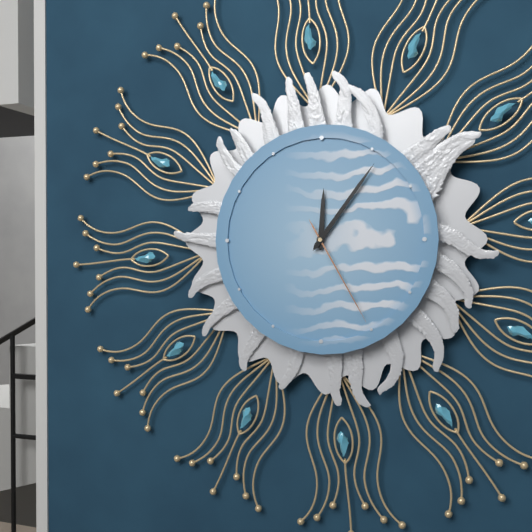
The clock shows 12 h 06 min 25 s
